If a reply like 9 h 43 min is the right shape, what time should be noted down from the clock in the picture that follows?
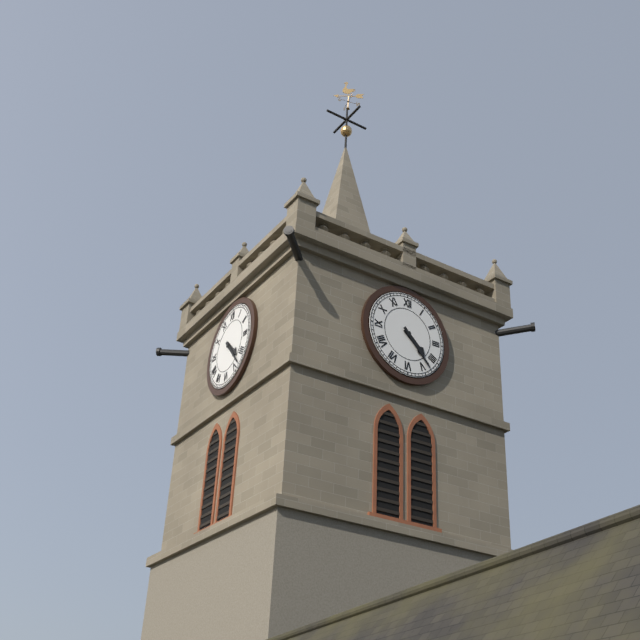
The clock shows 4 h 23 min
